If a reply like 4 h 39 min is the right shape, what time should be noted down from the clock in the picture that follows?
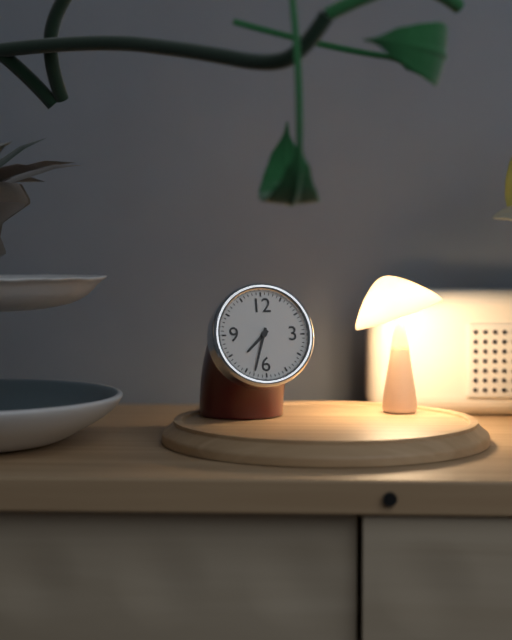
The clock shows 7 h 33 min
